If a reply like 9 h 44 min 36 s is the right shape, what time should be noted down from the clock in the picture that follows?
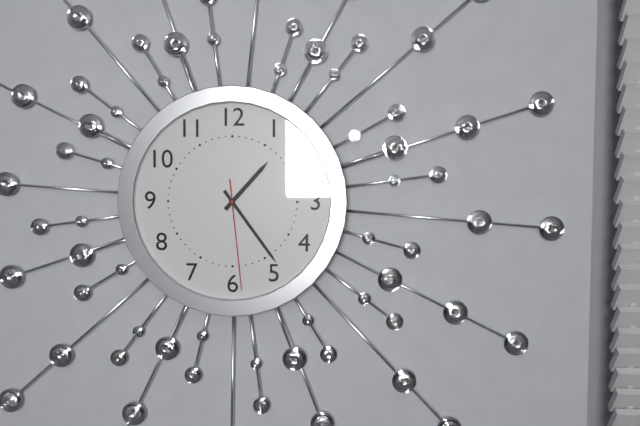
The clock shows 1 h 24 min 29 s
